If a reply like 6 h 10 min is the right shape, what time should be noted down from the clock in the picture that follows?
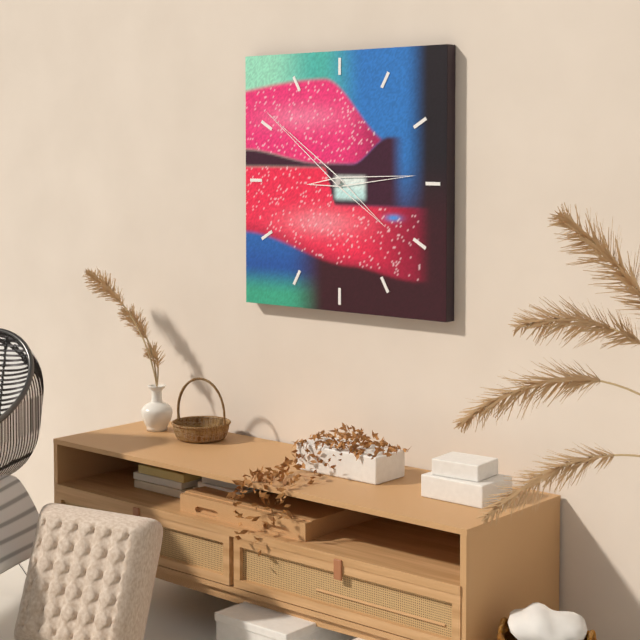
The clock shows 2 h 51 min
